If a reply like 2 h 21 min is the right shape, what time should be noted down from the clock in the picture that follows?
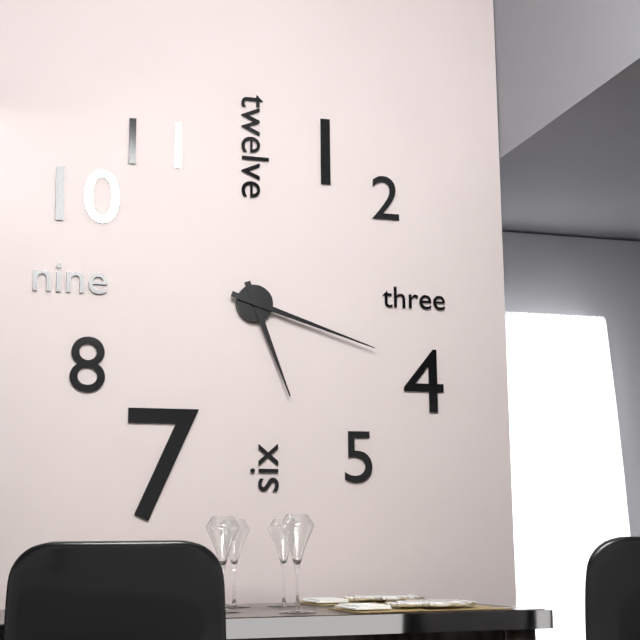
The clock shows 5 h 18 min
